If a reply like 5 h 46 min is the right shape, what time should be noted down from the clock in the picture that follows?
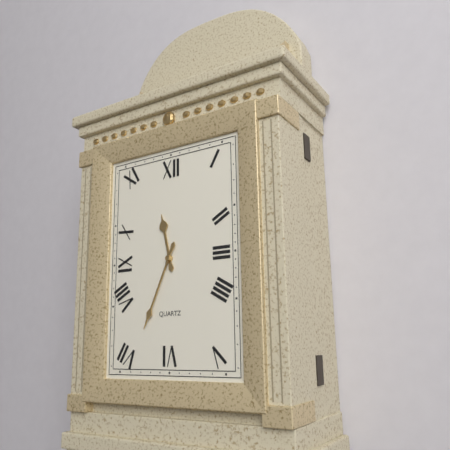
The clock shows 11 h 34 min
